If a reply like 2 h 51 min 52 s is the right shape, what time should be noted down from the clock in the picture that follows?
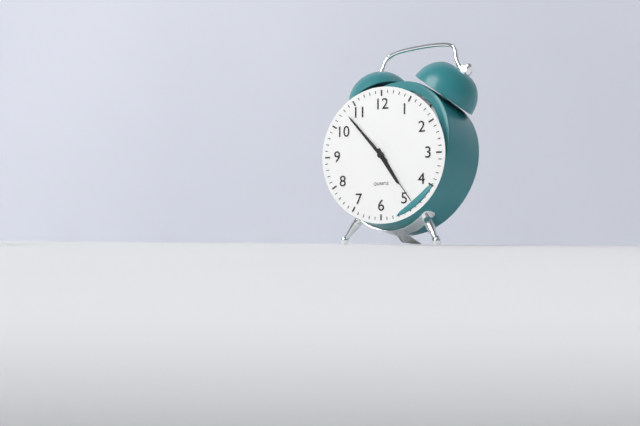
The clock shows 4 h 53 min 24 s
